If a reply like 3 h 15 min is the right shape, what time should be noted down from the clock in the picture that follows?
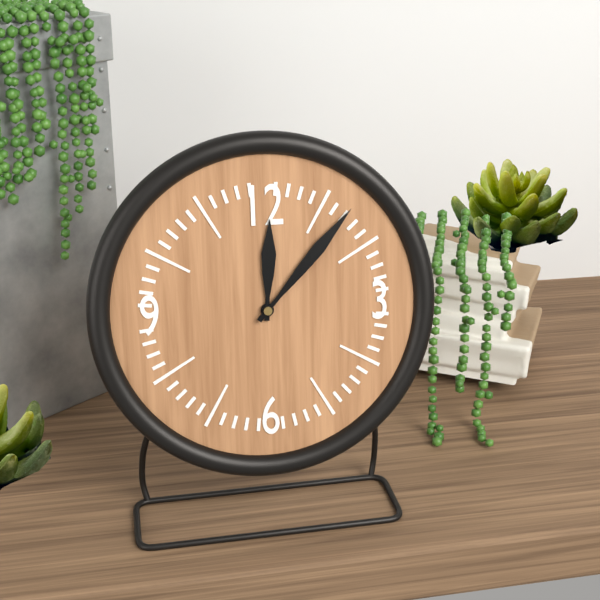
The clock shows 12 h 07 min
